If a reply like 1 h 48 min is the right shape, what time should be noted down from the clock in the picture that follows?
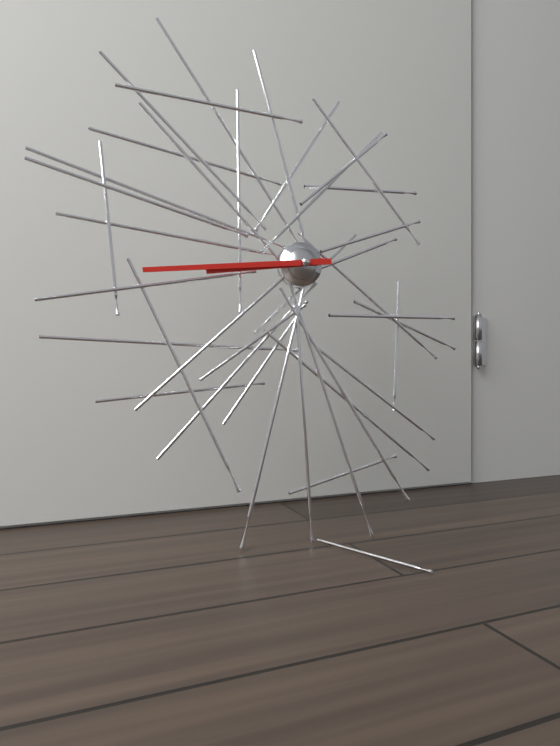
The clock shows 8 h 44 min
